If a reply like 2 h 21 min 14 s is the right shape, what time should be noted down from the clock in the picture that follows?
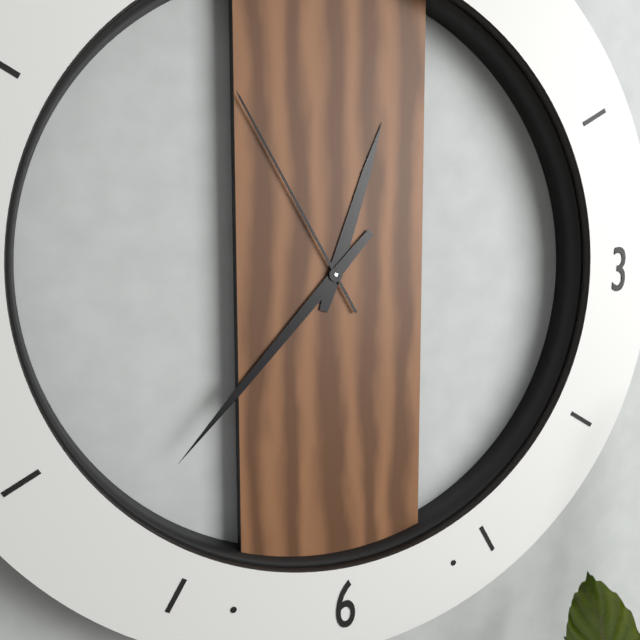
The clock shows 12 h 37 min 55 s
